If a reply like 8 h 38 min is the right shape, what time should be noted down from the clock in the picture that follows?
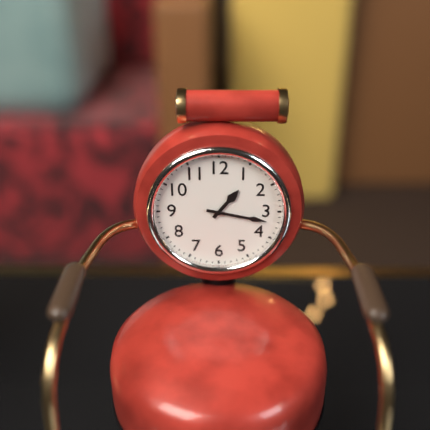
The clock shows 1 h 17 min
